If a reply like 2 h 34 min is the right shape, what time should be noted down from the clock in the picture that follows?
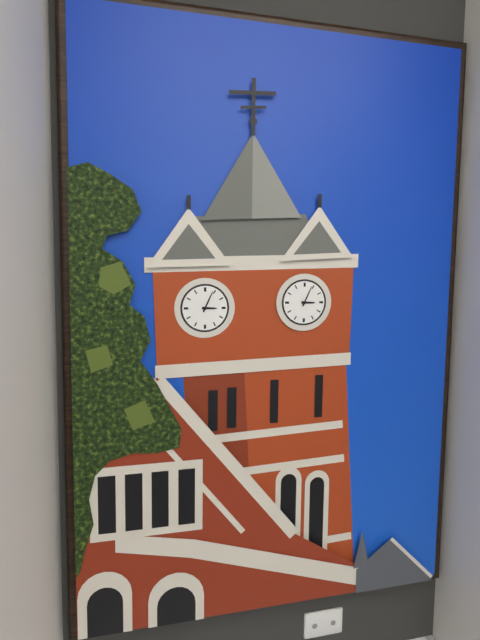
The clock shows 3 h 04 min
